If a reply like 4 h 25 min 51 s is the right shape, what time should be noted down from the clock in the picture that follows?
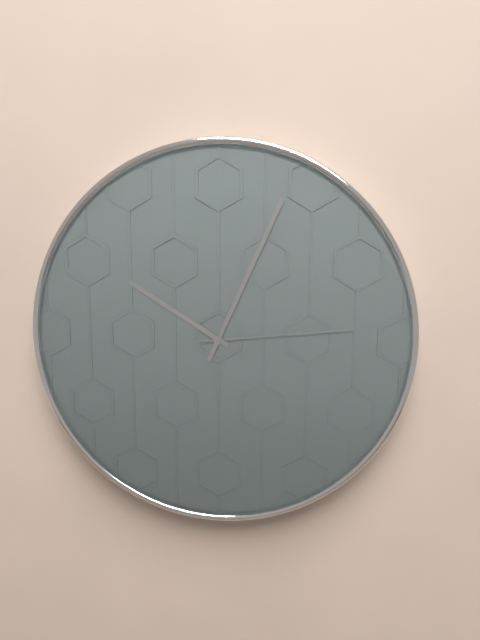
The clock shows 10 h 04 min 14 s
